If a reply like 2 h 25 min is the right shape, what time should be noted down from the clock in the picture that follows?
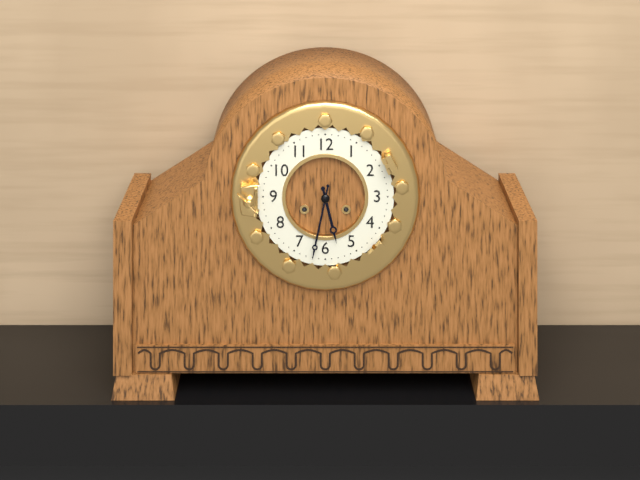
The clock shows 5 h 32 min
